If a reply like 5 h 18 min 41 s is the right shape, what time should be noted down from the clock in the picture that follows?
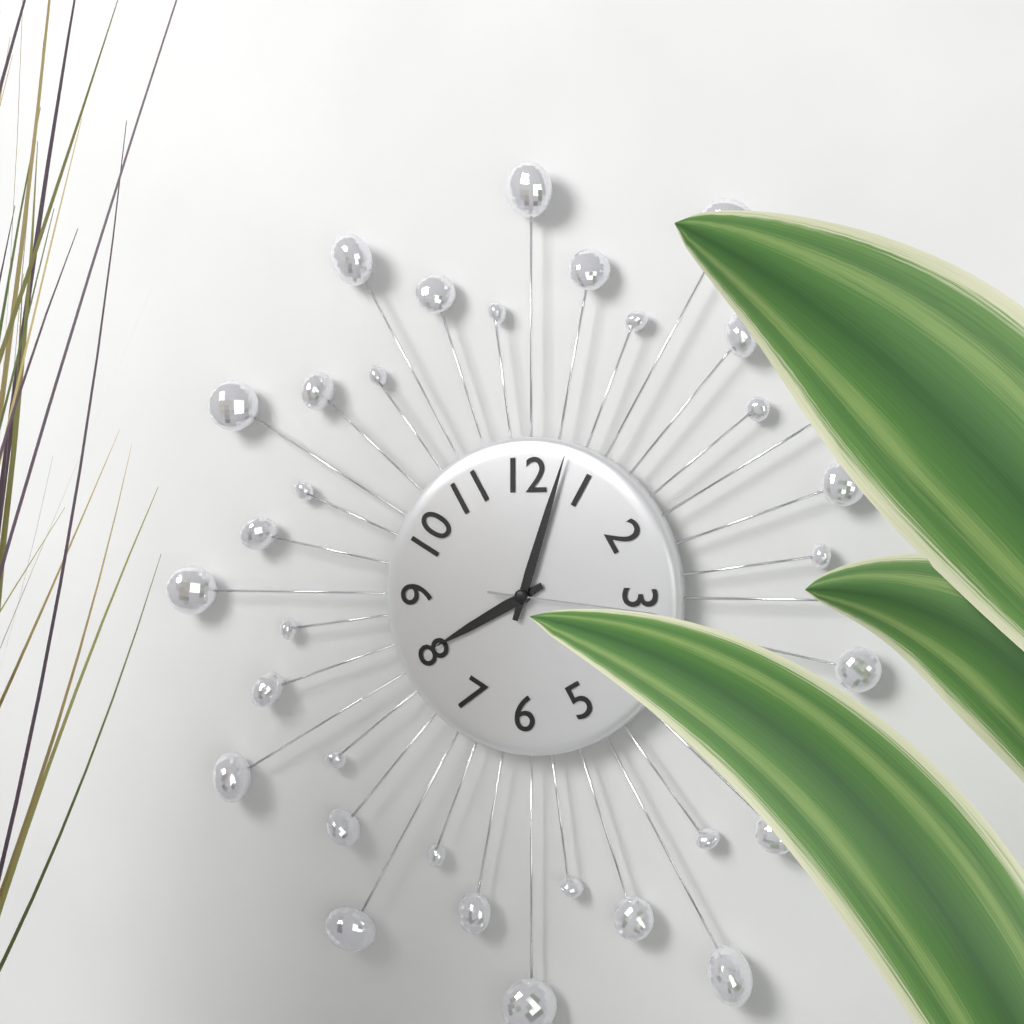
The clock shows 8 h 03 min 16 s
